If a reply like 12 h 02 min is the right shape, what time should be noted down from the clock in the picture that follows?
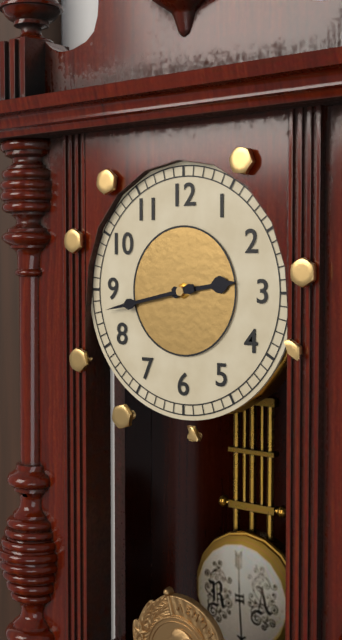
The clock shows 2 h 43 min
